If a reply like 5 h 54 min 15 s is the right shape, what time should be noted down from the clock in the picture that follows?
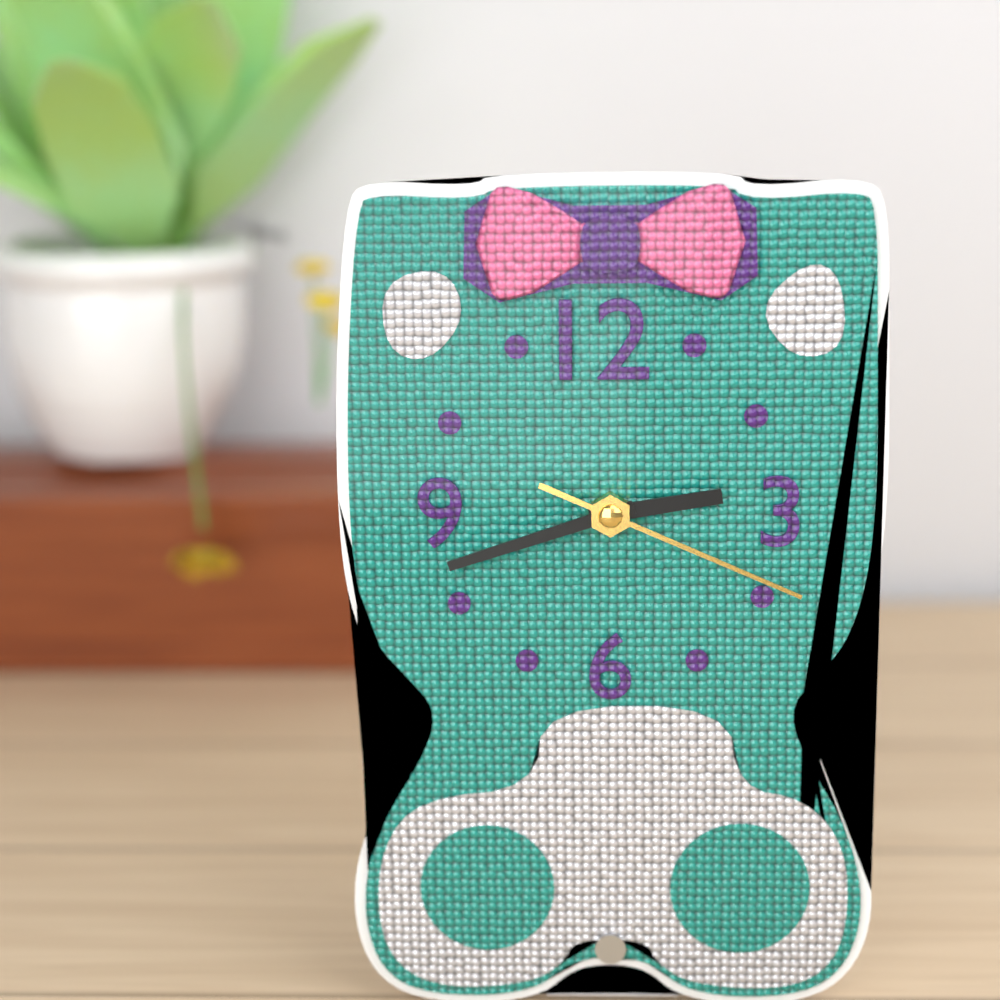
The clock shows 2 h 42 min 19 s
